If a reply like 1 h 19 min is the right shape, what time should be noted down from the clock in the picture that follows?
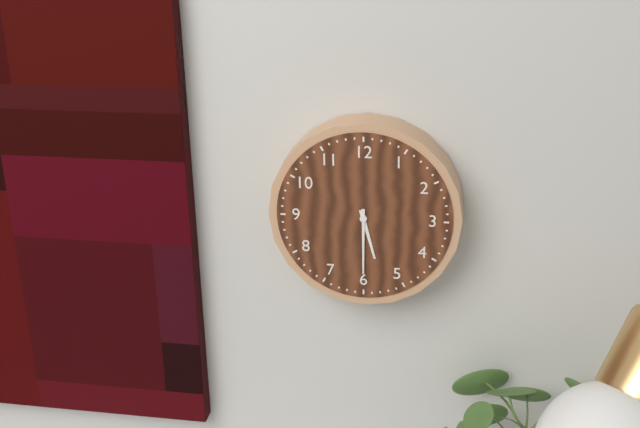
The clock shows 5 h 30 min
